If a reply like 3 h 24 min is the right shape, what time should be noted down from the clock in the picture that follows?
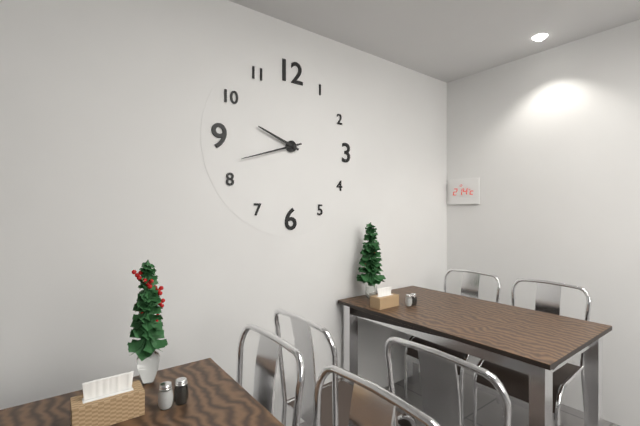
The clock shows 9 h 42 min
